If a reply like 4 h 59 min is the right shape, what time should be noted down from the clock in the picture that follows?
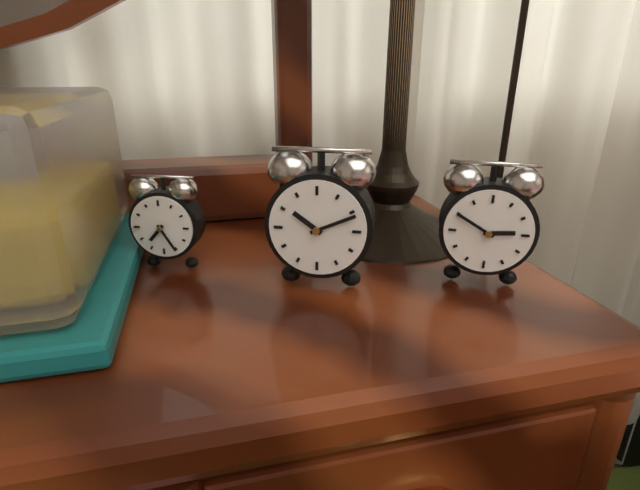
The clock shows 10 h 11 min
